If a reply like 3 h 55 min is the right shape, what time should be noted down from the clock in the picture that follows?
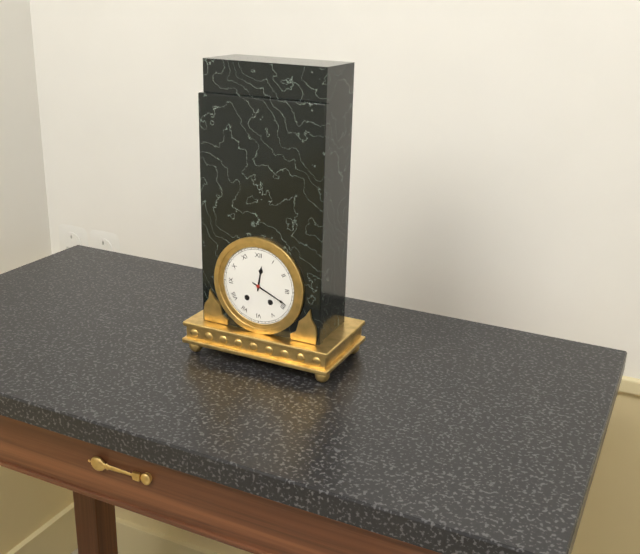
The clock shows 12 h 19 min
